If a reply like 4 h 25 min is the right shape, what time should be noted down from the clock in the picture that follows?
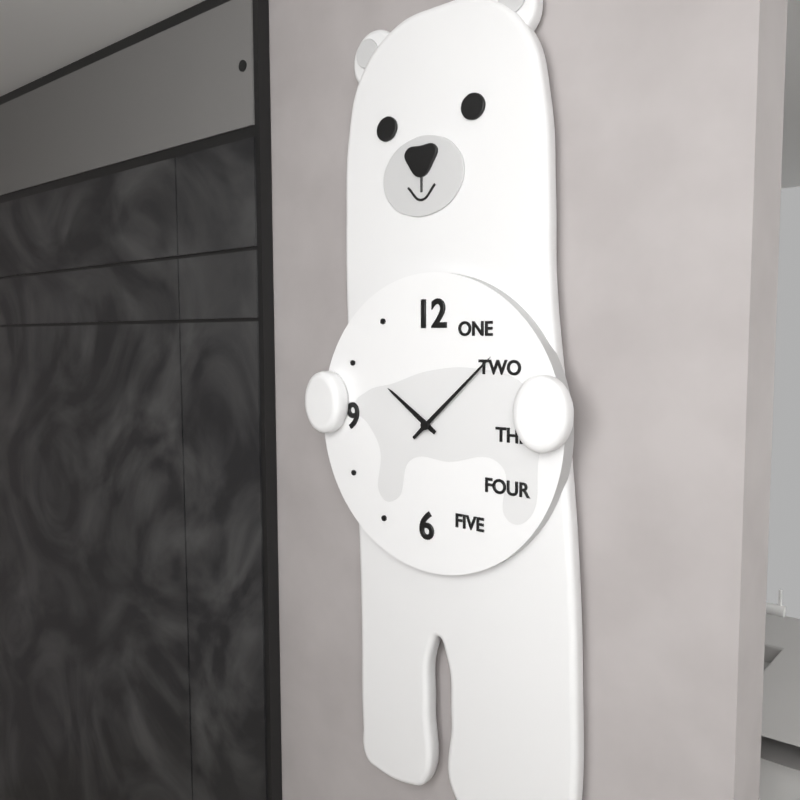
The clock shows 10 h 08 min
